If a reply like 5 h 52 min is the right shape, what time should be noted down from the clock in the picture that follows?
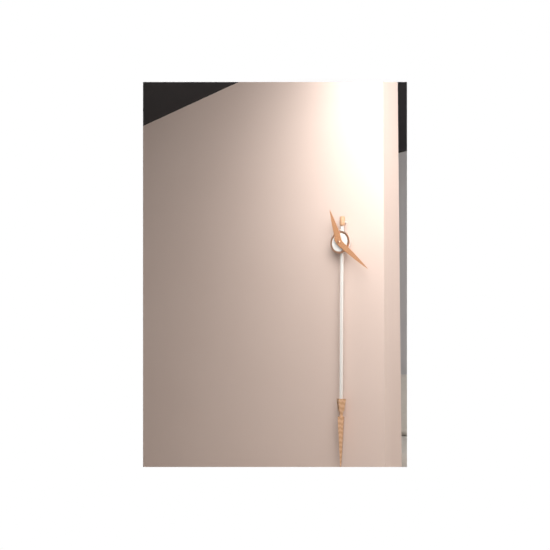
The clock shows 11 h 22 min
